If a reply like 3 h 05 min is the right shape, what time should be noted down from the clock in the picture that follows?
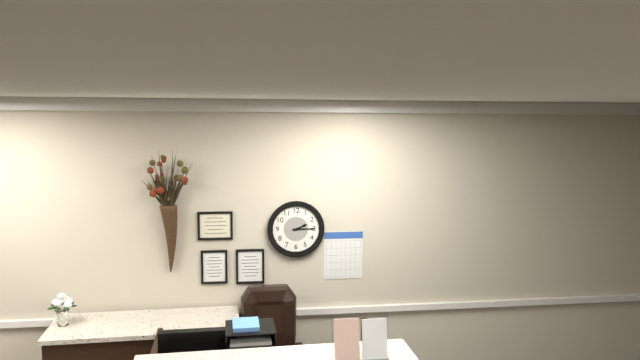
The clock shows 2 h 15 min
